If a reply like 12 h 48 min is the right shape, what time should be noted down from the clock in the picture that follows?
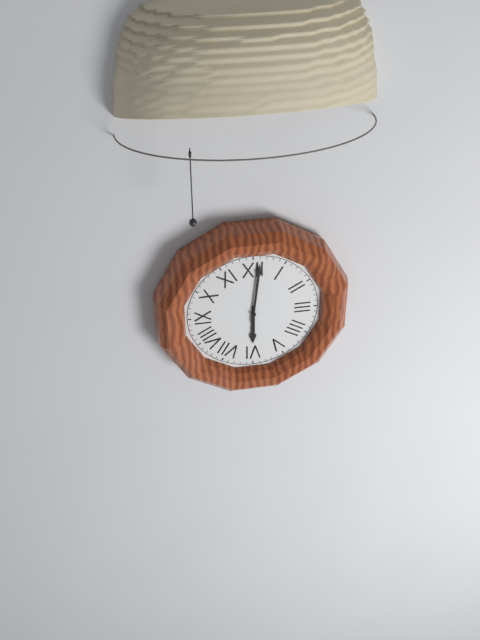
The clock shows 6 h 01 min
